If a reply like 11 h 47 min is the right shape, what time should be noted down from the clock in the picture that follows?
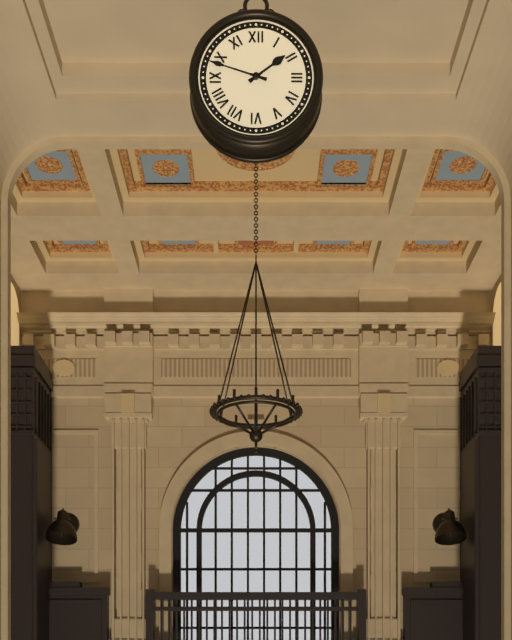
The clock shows 1 h 48 min
